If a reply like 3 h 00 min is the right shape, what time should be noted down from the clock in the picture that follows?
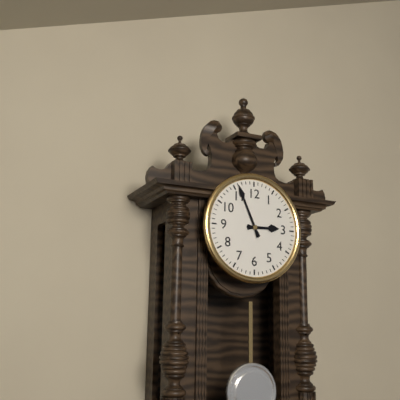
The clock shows 2 h 56 min
